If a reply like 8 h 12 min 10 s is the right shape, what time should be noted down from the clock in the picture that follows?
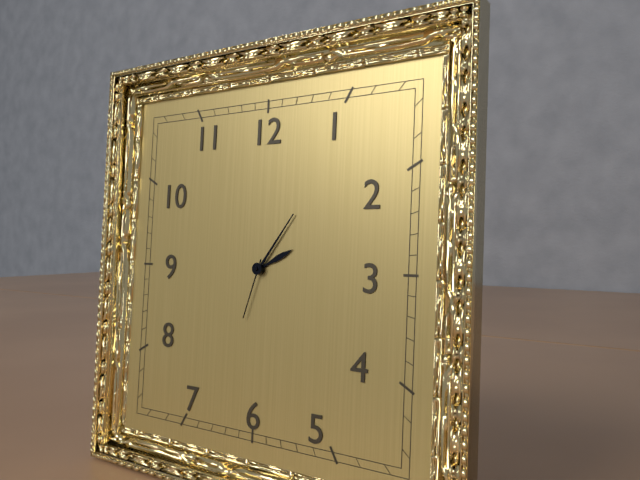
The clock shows 2 h 06 min 33 s
